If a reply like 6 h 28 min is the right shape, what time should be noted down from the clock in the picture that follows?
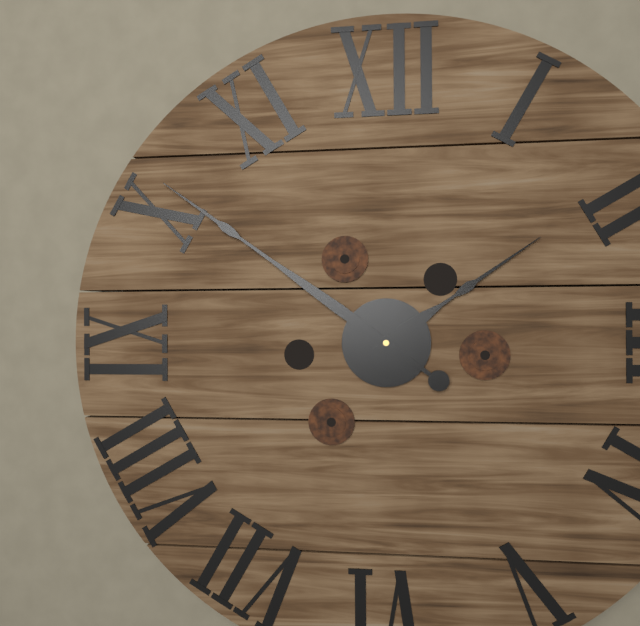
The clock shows 1 h 51 min
